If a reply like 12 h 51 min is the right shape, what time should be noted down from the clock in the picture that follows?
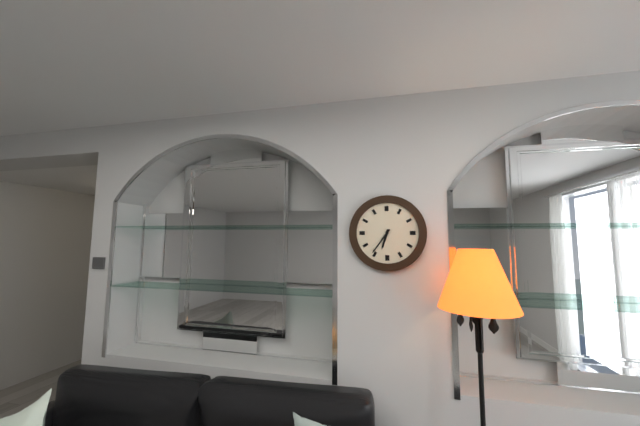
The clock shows 6 h 36 min
